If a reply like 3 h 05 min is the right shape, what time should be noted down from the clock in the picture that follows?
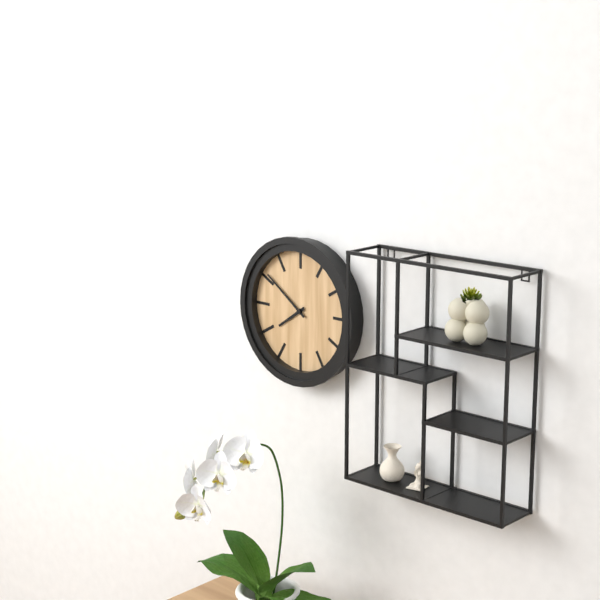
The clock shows 7 h 51 min
